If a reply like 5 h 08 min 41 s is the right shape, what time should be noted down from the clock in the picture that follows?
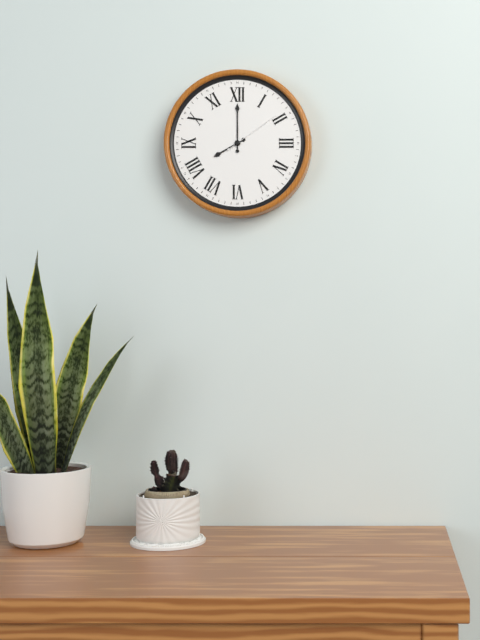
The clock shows 8 h 00 min 09 s
